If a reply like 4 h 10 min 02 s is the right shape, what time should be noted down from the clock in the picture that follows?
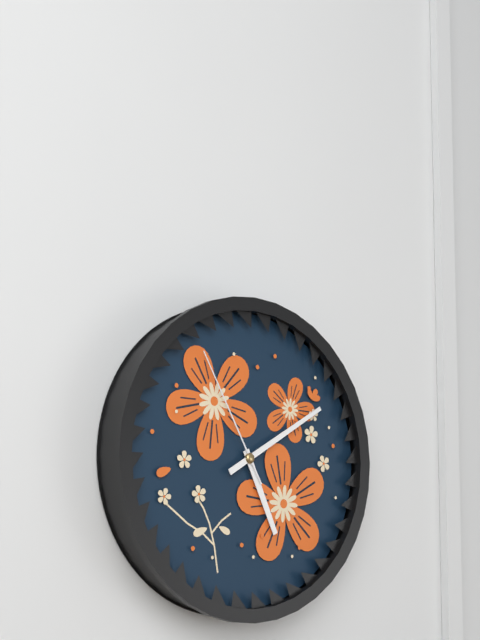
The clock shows 5 h 10 min 55 s
